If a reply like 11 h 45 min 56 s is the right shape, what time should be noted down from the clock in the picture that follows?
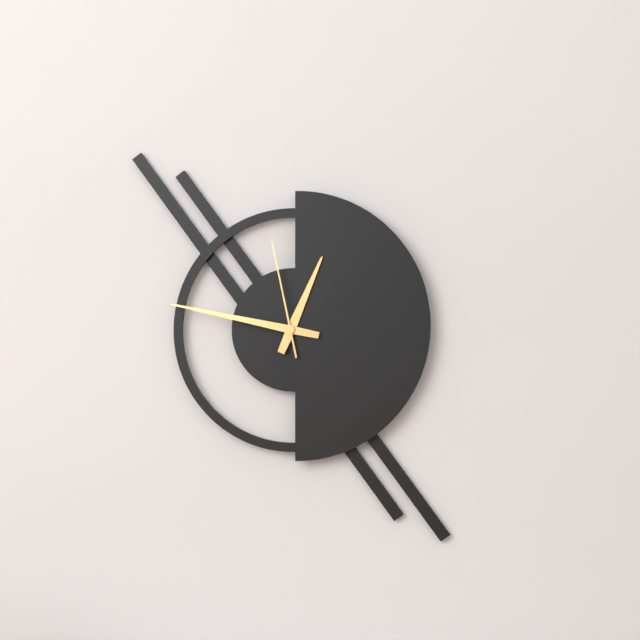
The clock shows 12 h 47 min 58 s
